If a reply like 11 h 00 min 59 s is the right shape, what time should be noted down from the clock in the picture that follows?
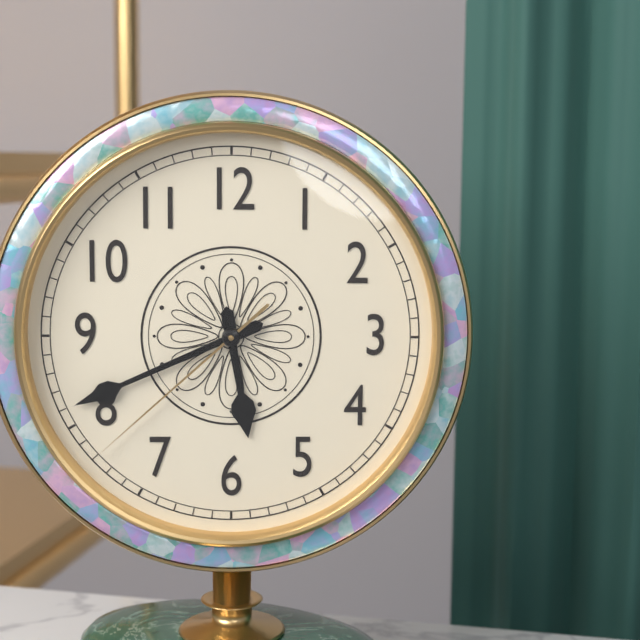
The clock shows 5 h 41 min 38 s
